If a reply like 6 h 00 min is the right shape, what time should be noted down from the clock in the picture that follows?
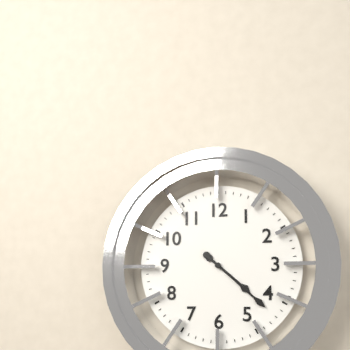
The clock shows 4 h 22 min
